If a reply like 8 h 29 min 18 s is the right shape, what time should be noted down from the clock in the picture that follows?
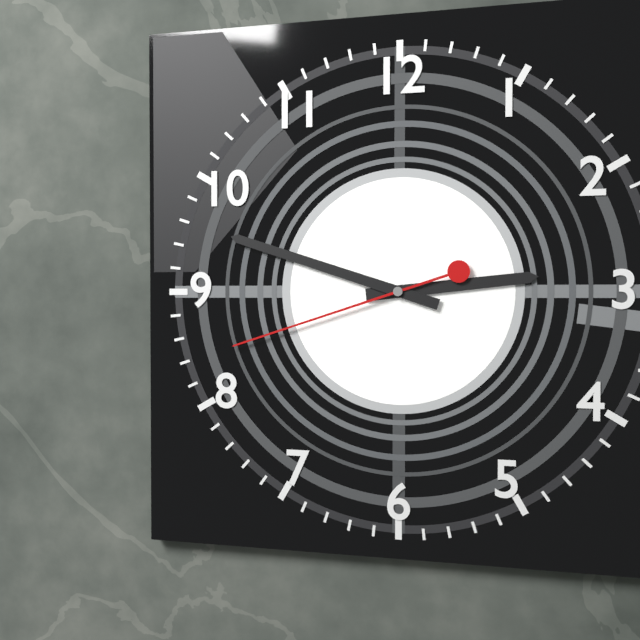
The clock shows 2 h 48 min 42 s
